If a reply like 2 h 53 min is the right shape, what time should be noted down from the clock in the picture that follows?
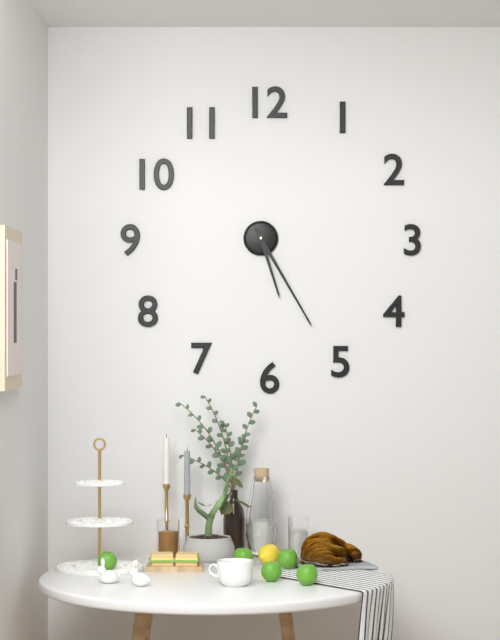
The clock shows 5 h 25 min
